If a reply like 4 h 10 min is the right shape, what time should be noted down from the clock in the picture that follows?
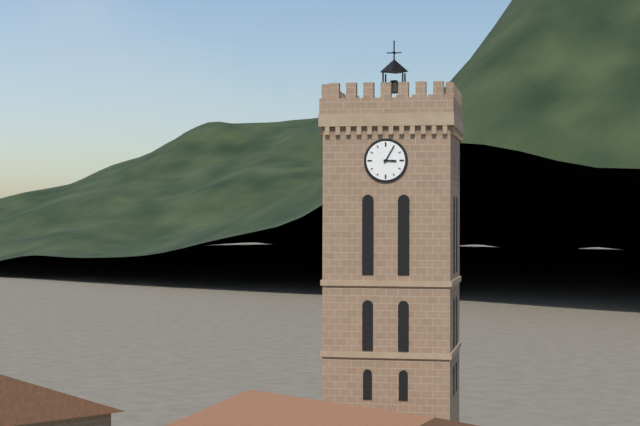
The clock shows 3 h 05 min
